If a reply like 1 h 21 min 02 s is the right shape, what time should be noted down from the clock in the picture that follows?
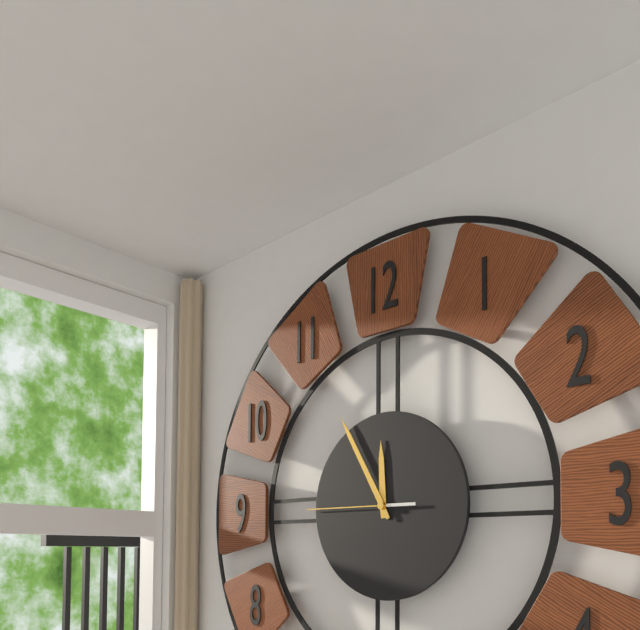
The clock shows 11 h 55 min 45 s
